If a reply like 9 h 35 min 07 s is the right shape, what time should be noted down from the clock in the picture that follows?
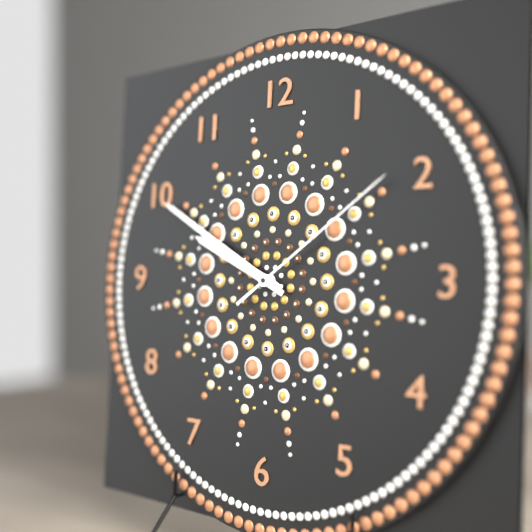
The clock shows 9 h 50 min 09 s
